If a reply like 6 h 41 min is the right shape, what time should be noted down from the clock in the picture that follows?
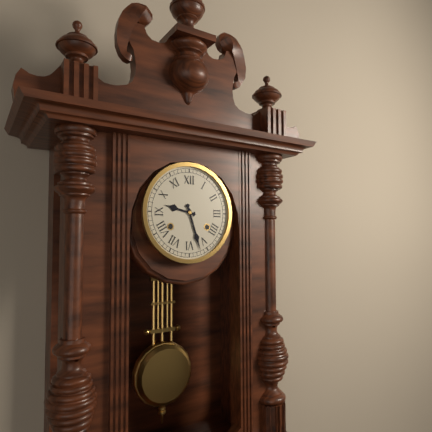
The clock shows 9 h 27 min
